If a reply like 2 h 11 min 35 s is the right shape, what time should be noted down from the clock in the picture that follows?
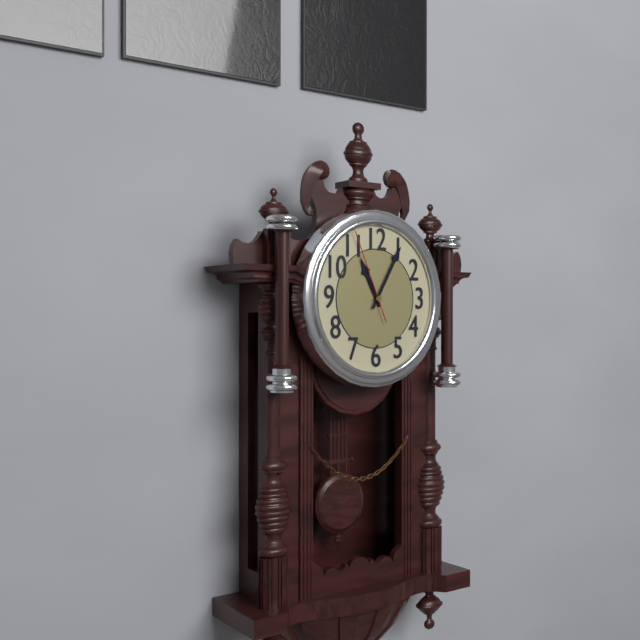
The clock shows 11 h 05 min 56 s
